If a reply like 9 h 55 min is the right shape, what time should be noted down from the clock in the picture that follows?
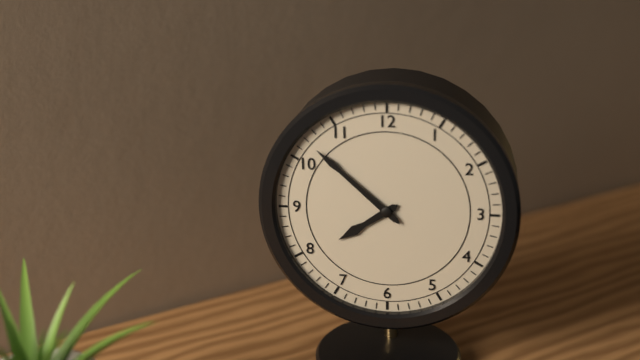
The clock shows 7 h 52 min
